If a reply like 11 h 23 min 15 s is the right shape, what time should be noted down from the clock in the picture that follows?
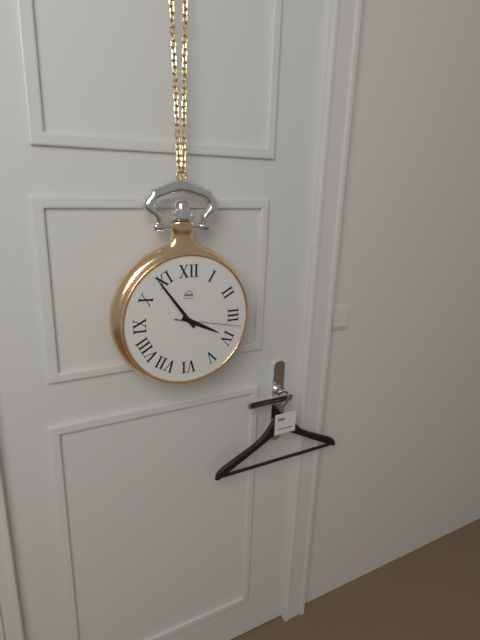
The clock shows 3 h 54 min 17 s
